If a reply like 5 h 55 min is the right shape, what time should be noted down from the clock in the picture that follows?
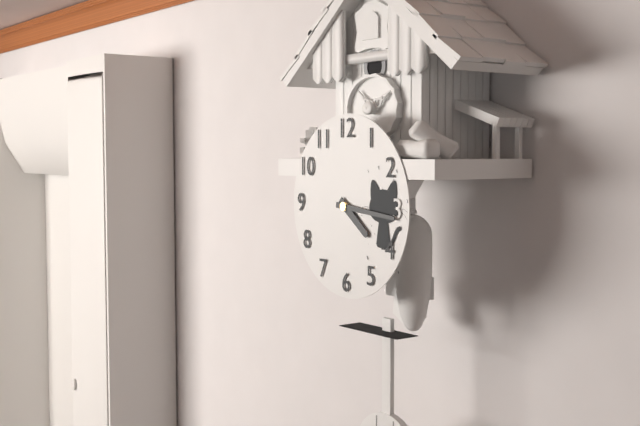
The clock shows 4 h 16 min
